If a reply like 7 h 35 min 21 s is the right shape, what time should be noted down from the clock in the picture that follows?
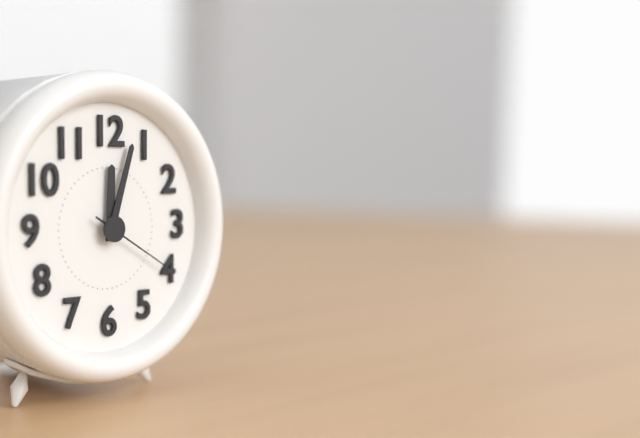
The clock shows 12 h 03 min 20 s
